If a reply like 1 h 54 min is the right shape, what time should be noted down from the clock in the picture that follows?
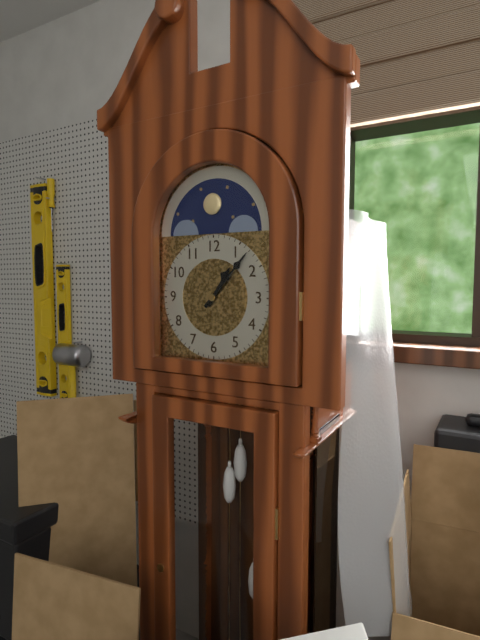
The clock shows 1 h 07 min
